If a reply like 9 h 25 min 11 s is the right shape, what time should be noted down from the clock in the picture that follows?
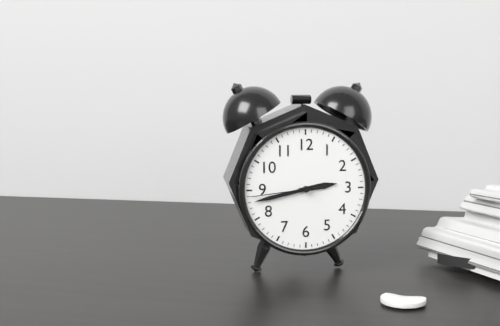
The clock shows 2 h 43 min 44 s
